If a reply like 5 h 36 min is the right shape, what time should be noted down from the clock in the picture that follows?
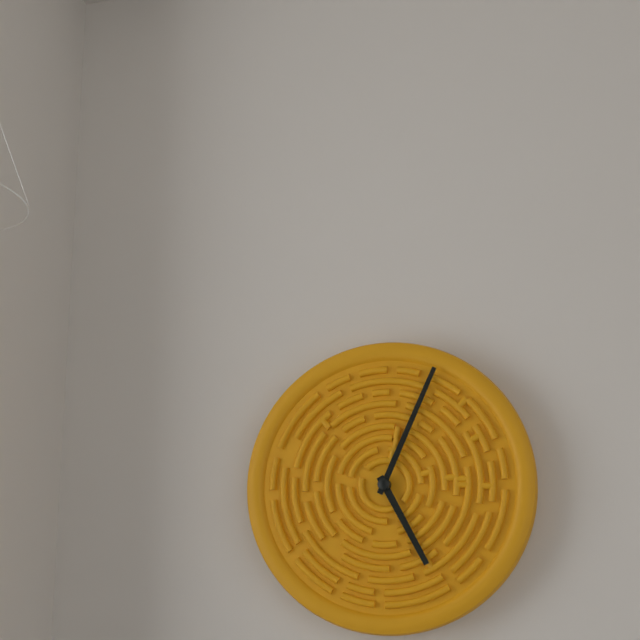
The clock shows 5 h 04 min
